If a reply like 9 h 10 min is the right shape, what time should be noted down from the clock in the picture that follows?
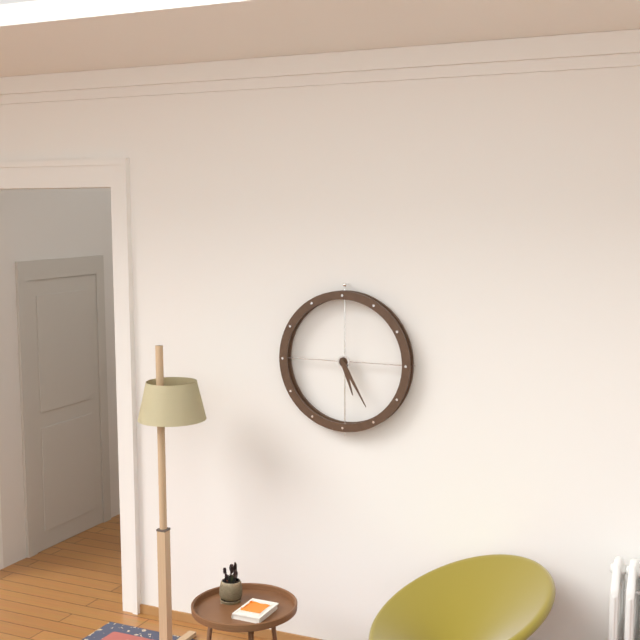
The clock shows 5 h 25 min
